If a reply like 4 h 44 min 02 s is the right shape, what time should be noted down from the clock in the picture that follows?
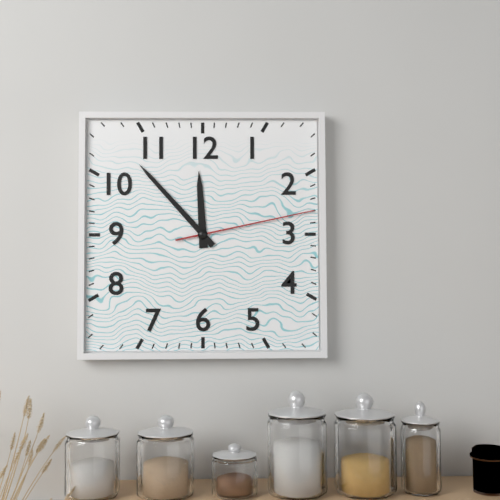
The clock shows 11 h 53 min 13 s
